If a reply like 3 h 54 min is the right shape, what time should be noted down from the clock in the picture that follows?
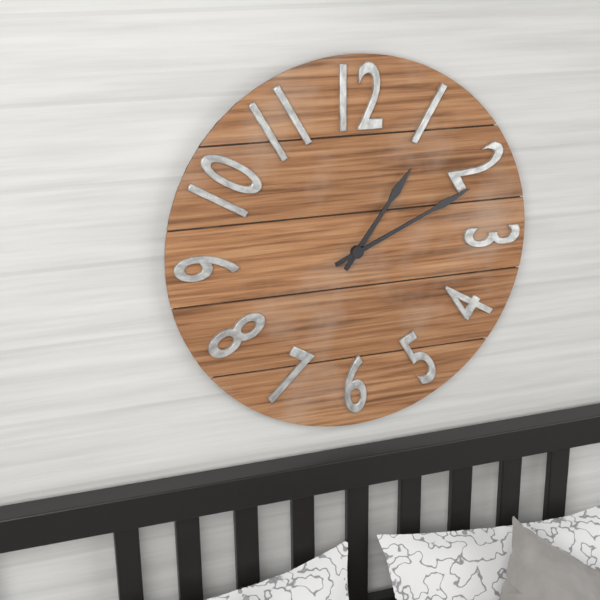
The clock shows 1 h 11 min
